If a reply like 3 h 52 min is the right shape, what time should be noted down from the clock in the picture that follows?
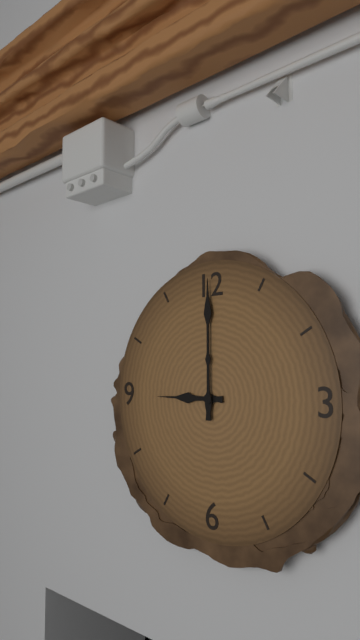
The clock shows 9 h 00 min
